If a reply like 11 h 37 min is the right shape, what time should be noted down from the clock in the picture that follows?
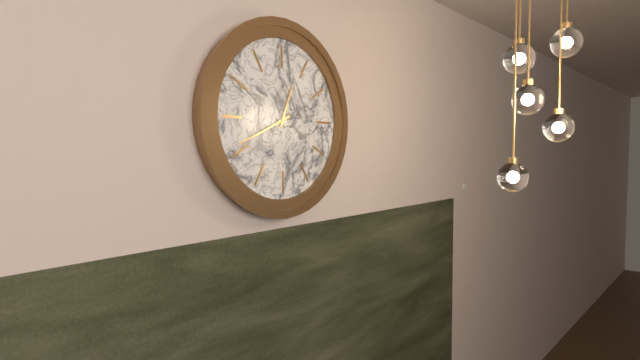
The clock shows 12 h 41 min
